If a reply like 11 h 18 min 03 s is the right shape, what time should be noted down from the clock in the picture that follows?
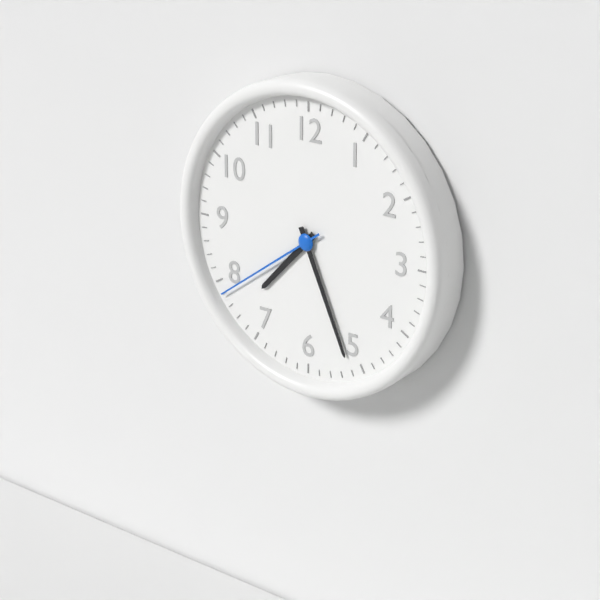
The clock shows 7 h 26 min 39 s
